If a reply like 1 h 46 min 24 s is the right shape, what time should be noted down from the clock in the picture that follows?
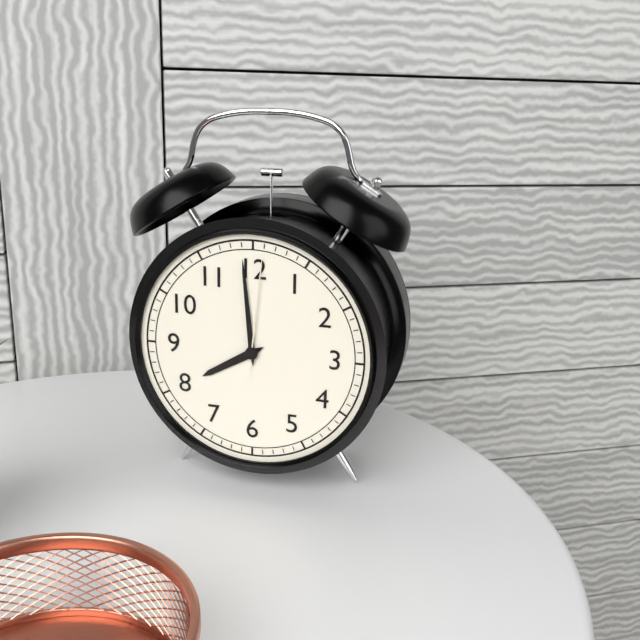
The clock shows 7 h 59 min 01 s
